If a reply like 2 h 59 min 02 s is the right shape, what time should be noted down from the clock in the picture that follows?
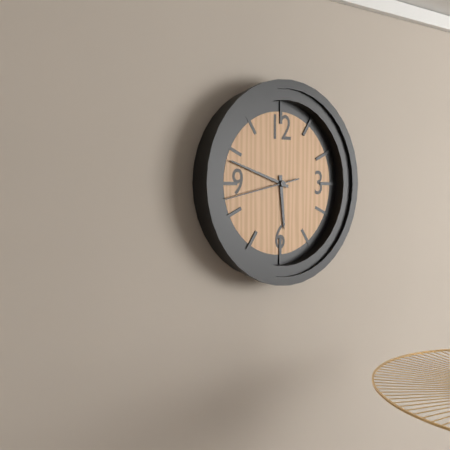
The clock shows 5 h 48 min 43 s
